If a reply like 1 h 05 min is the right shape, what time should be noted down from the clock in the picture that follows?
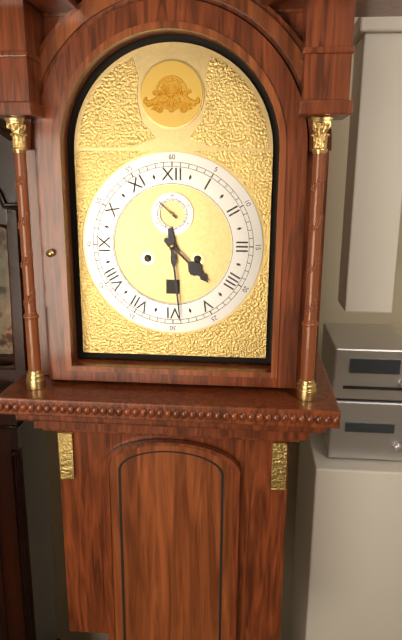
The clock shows 4 h 29 min
